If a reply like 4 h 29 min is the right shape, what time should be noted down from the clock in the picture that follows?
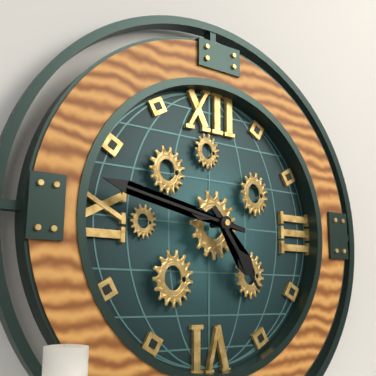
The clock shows 4 h 47 min
